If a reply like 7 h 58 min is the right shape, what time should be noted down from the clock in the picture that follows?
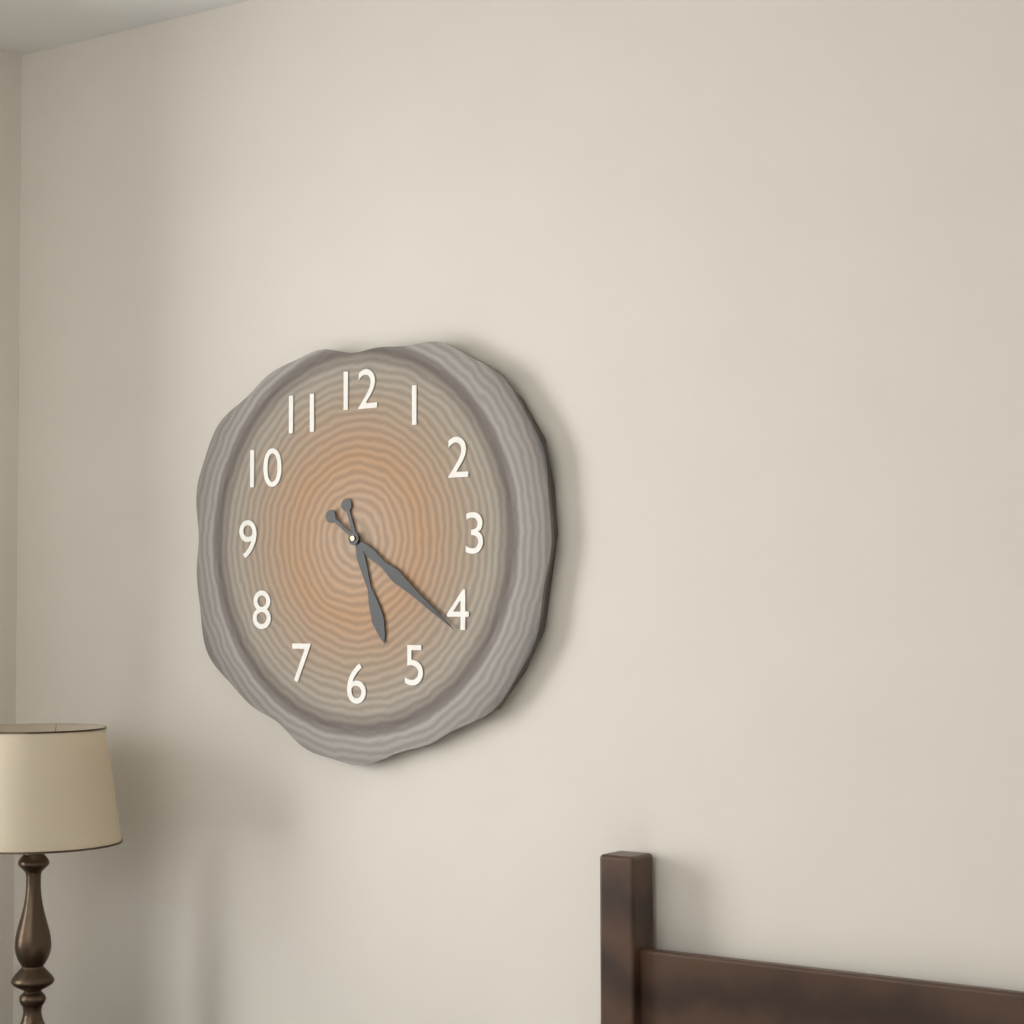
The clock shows 5 h 21 min
